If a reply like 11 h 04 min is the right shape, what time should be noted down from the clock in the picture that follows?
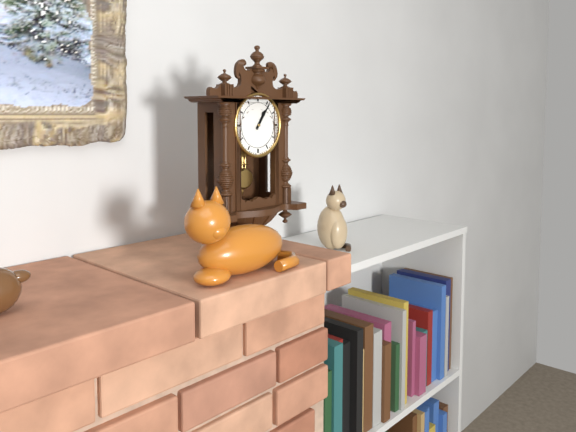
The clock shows 1 h 06 min
